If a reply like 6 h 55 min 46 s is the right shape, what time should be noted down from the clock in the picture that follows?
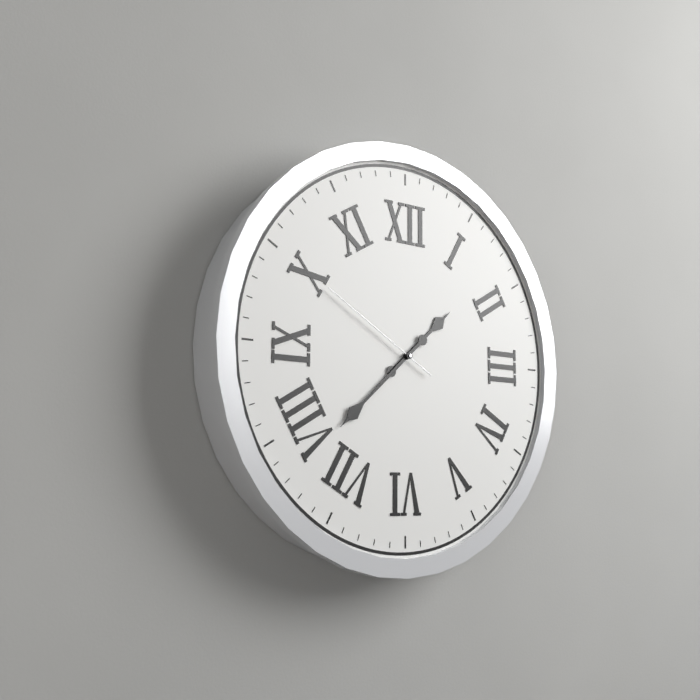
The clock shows 1 h 38 min 50 s
